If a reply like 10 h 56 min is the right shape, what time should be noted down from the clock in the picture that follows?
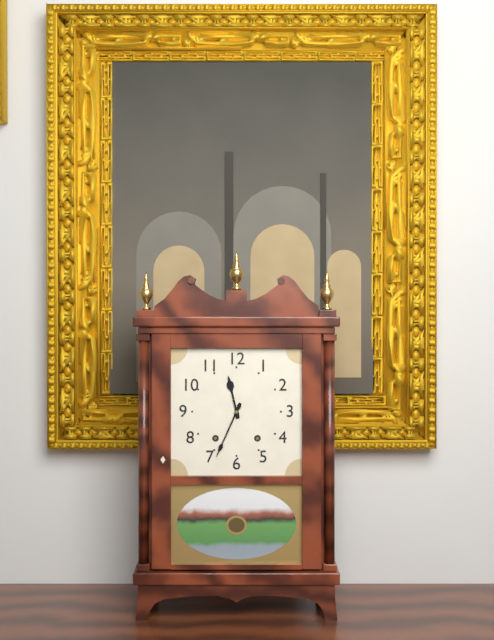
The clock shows 11 h 34 min
